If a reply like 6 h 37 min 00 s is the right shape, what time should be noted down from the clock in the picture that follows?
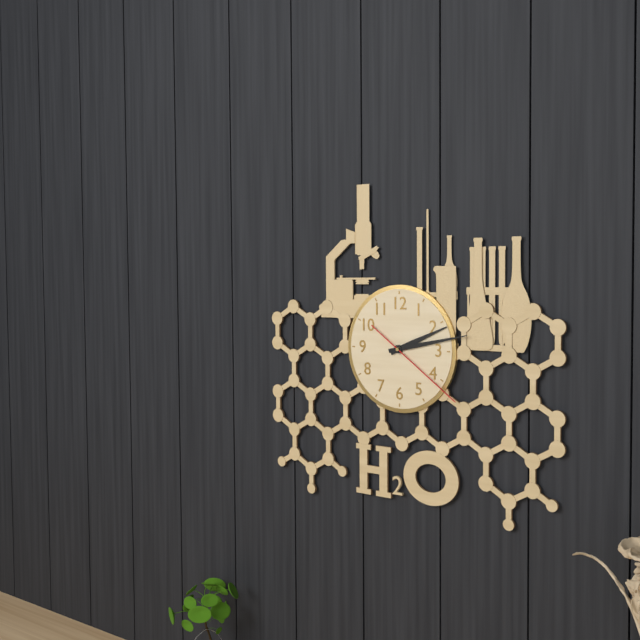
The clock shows 2 h 13 min 21 s
